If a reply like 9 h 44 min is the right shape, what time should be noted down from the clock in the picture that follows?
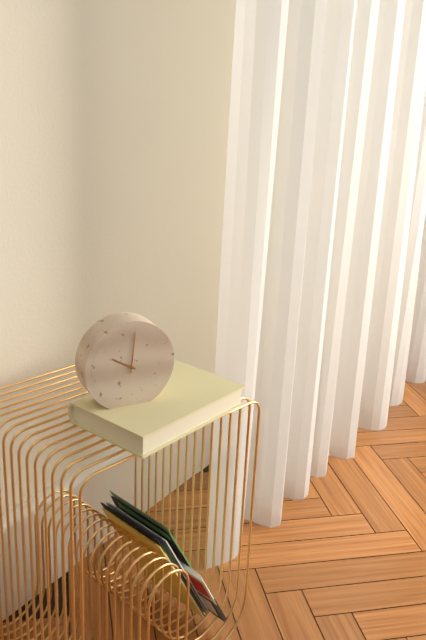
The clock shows 10 h 01 min
